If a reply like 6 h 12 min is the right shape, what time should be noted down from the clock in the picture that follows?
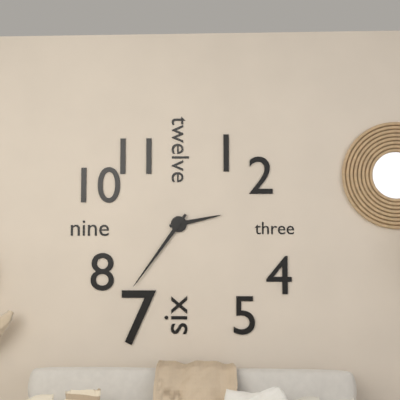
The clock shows 2 h 36 min
